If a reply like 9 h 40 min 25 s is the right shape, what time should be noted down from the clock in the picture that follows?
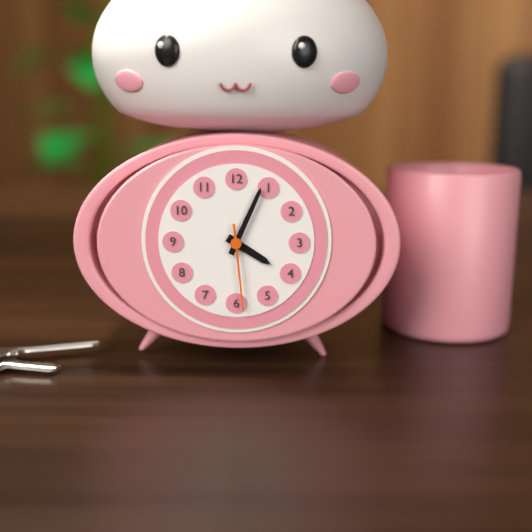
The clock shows 4 h 04 min 29 s
